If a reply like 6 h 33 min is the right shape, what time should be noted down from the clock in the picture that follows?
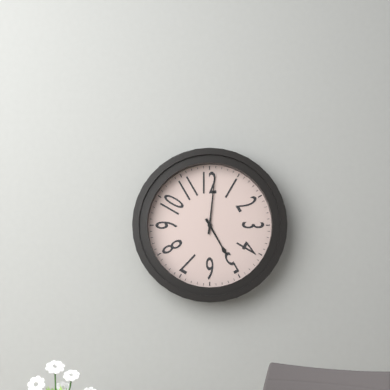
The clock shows 5 h 01 min
